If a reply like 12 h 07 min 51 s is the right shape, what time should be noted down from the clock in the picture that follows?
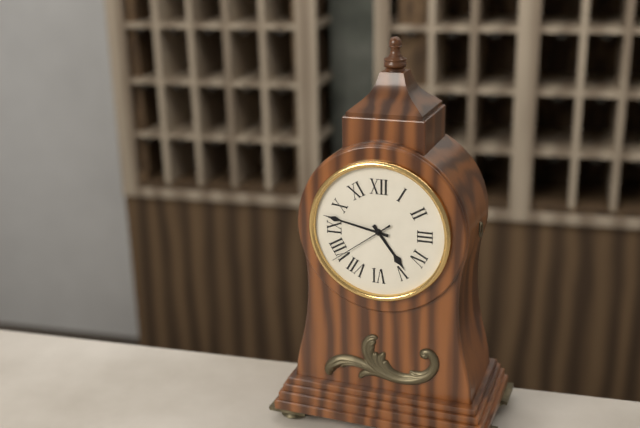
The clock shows 4 h 47 min 39 s
